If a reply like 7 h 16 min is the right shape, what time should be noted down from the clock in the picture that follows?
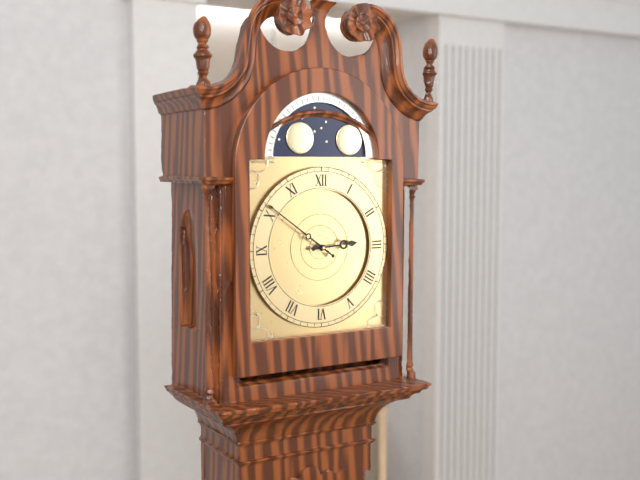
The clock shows 2 h 51 min
